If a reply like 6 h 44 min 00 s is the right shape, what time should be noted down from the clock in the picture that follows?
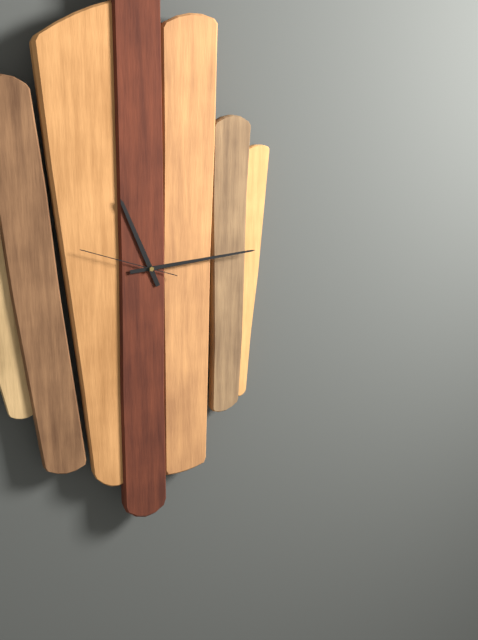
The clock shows 11 h 14 min 48 s
